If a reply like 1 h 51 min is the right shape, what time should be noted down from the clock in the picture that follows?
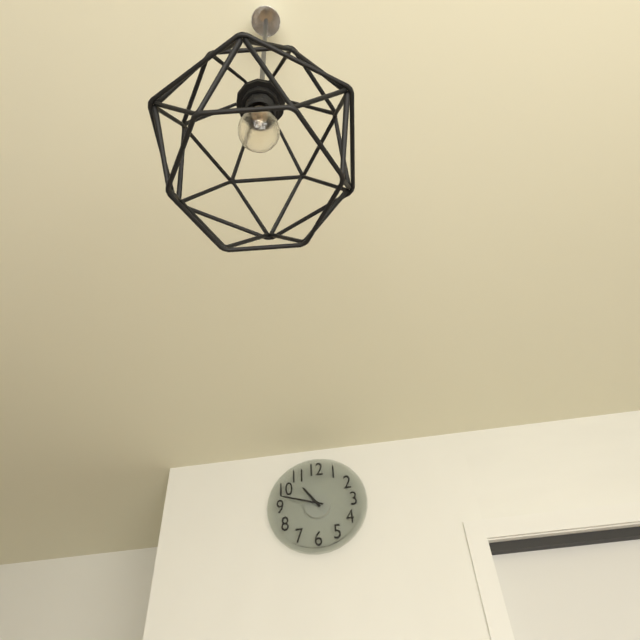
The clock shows 10 h 48 min
